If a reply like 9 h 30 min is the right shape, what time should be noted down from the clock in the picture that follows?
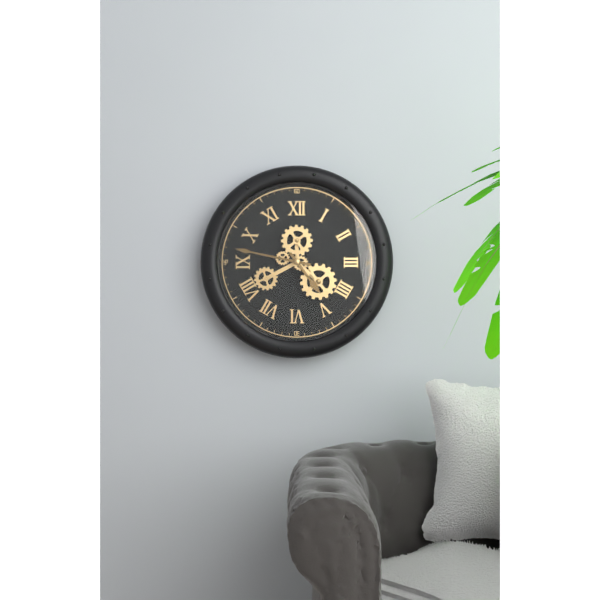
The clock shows 4 h 47 min
